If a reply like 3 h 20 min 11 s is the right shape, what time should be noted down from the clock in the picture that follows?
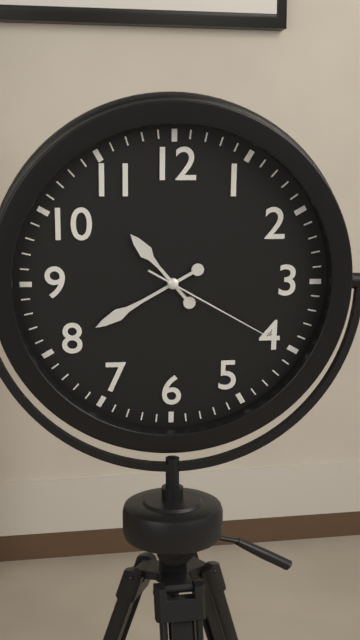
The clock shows 10 h 40 min 20 s
